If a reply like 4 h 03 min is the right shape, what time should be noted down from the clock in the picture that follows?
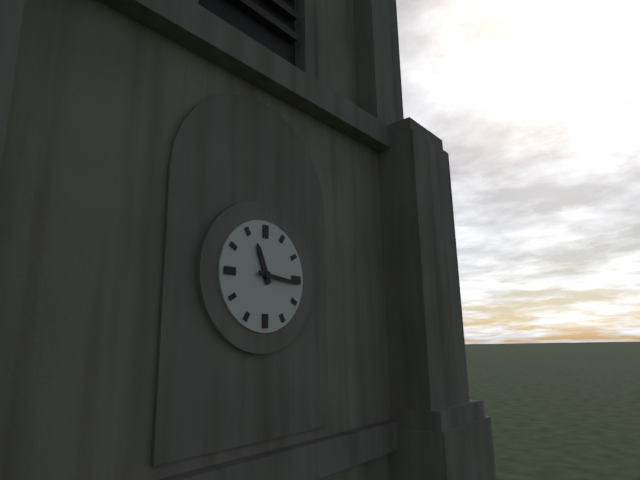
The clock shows 11 h 16 min
